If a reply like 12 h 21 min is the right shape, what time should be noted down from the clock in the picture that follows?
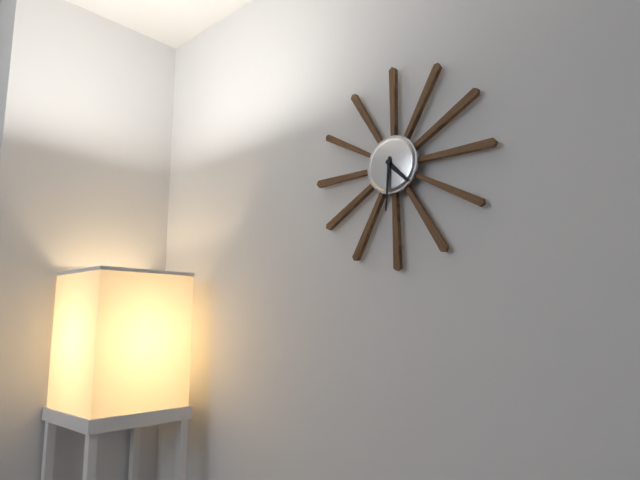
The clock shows 4 h 31 min
